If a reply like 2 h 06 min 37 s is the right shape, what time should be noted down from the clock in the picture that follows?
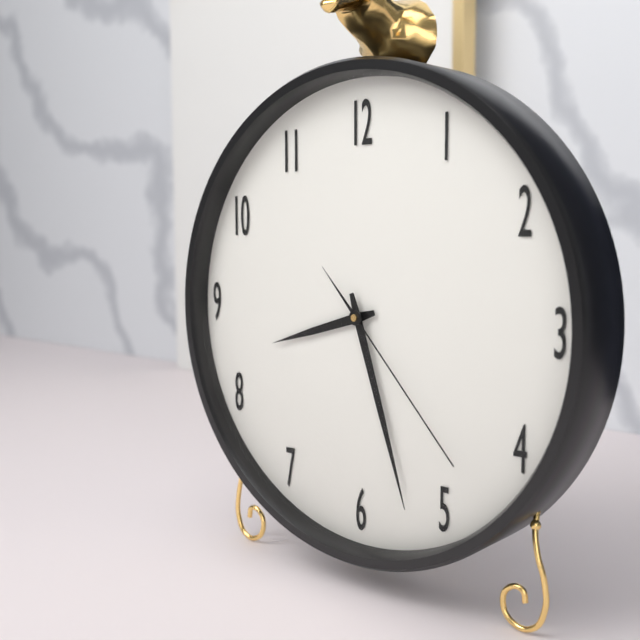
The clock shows 8 h 27 min 23 s
